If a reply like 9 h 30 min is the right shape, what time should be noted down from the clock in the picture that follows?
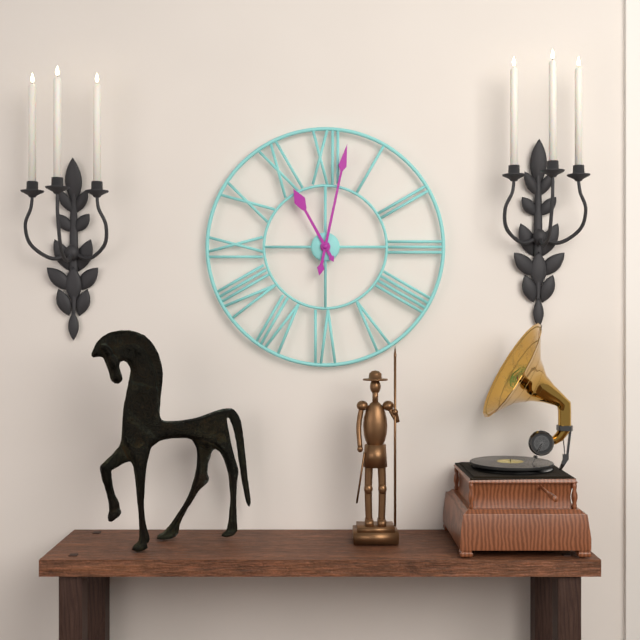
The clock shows 11 h 02 min
